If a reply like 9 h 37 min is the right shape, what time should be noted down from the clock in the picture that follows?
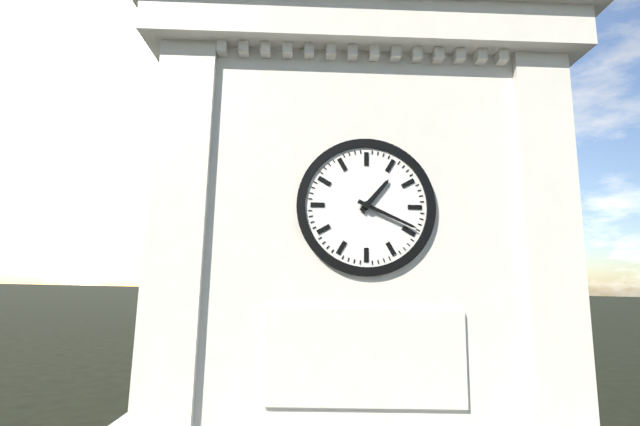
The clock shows 1 h 19 min
